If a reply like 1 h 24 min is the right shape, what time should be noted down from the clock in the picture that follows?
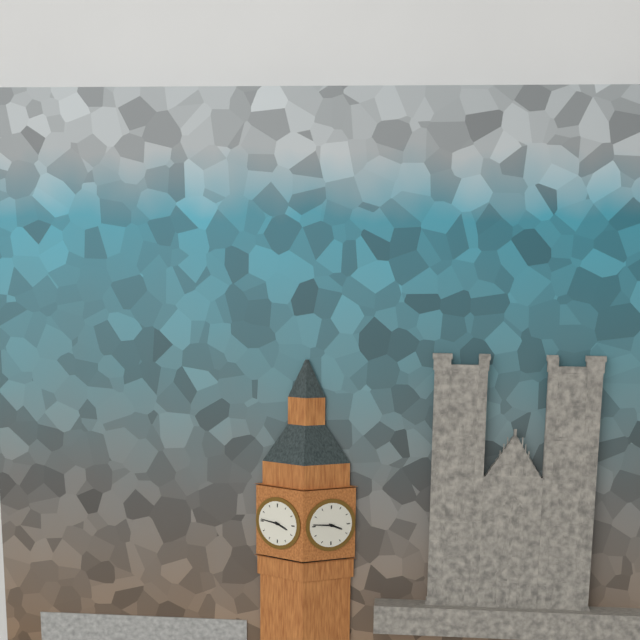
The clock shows 3 h 46 min
